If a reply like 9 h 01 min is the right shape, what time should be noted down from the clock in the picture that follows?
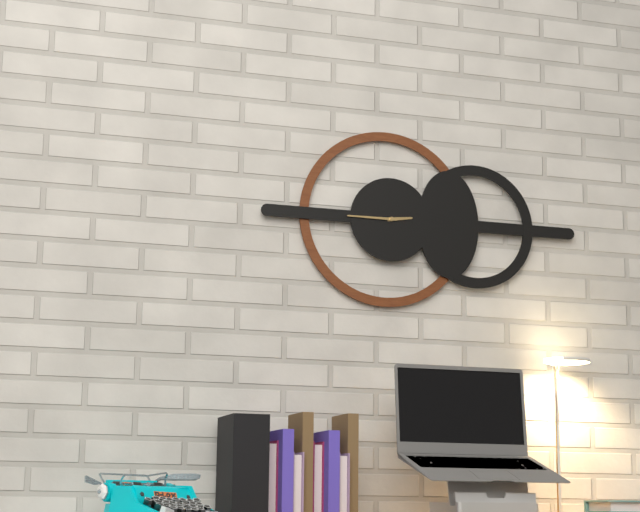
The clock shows 2 h 45 min
